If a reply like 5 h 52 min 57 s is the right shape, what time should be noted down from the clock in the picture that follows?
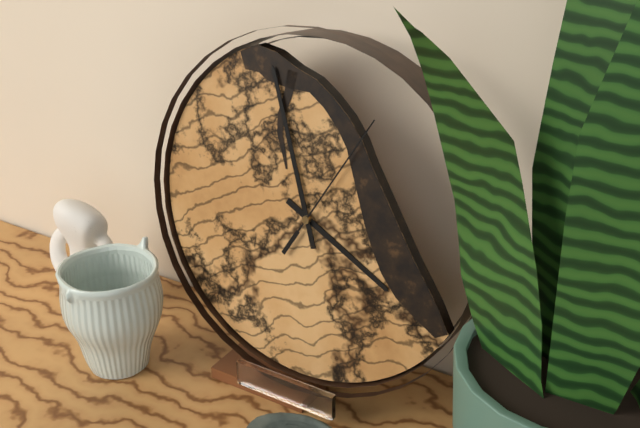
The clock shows 3 h 57 min 05 s
